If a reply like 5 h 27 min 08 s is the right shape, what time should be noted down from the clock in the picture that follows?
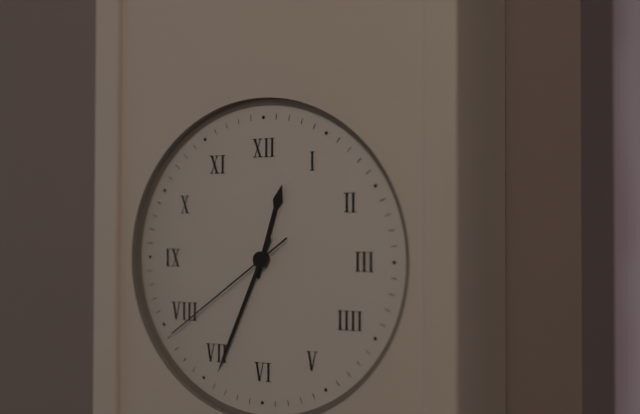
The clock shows 12 h 34 min 39 s
